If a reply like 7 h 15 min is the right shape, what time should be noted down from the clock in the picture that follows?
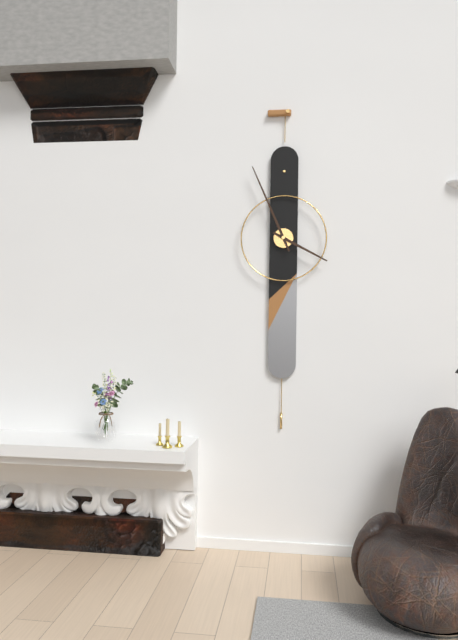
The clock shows 3 h 56 min
